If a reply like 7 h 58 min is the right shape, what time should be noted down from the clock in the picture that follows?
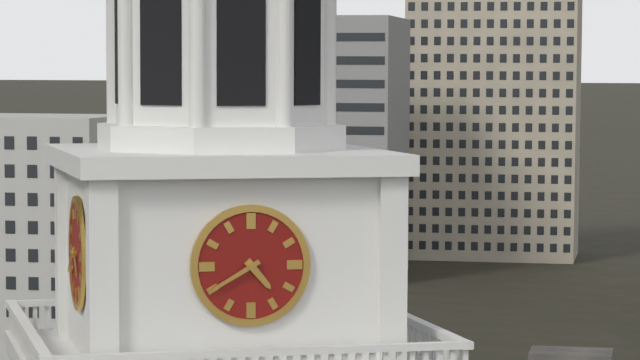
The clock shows 4 h 40 min
